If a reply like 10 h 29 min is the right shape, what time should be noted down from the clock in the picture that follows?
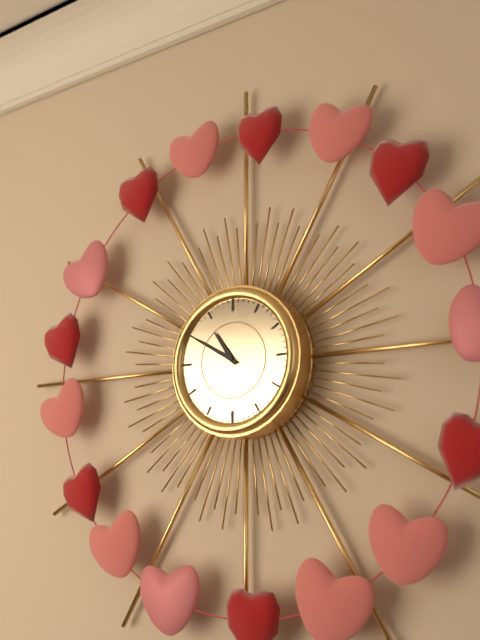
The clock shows 10 h 50 min
